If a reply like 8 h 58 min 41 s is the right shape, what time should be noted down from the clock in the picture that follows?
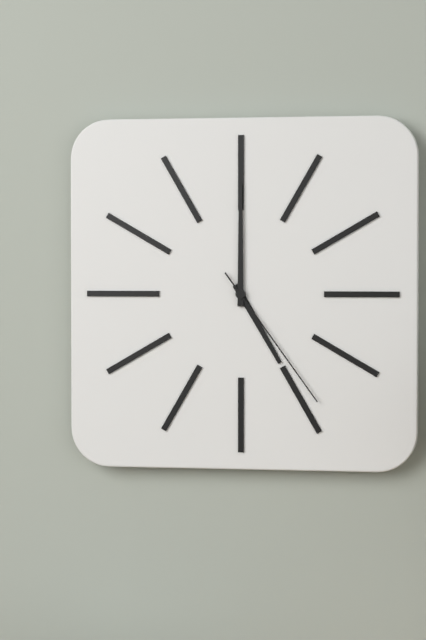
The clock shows 5 h 00 min 24 s
